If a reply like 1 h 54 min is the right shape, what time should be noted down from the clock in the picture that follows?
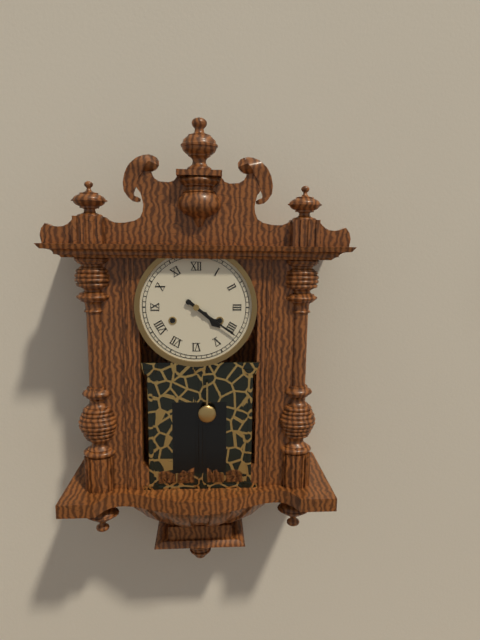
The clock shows 4 h 21 min
